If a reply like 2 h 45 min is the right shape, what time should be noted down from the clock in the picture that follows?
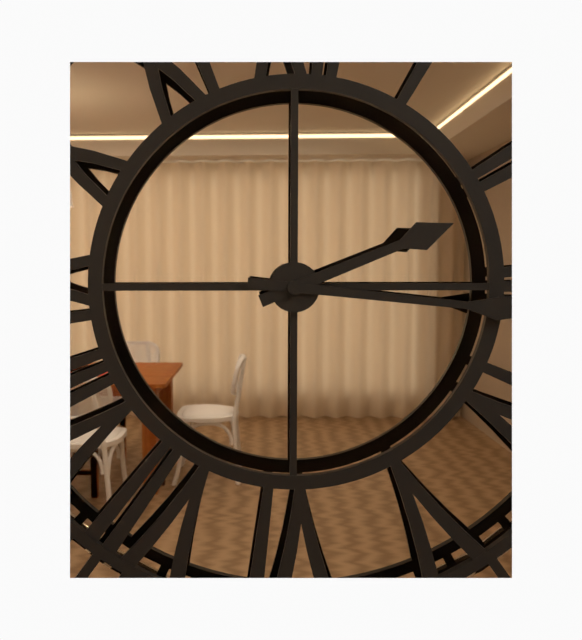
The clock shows 2 h 16 min
